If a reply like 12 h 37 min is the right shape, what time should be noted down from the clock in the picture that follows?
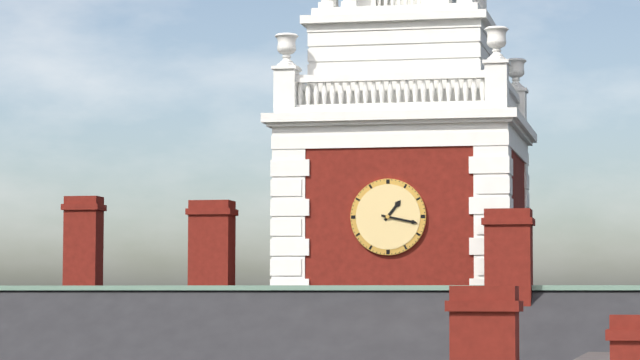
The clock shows 1 h 17 min
